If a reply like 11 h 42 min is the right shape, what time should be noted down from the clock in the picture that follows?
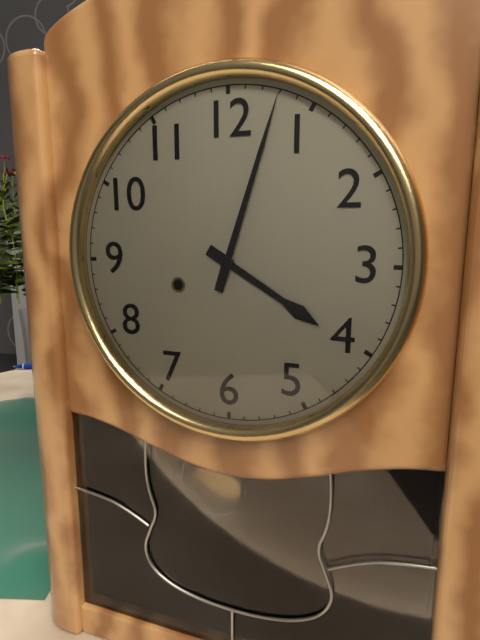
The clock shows 4 h 03 min
